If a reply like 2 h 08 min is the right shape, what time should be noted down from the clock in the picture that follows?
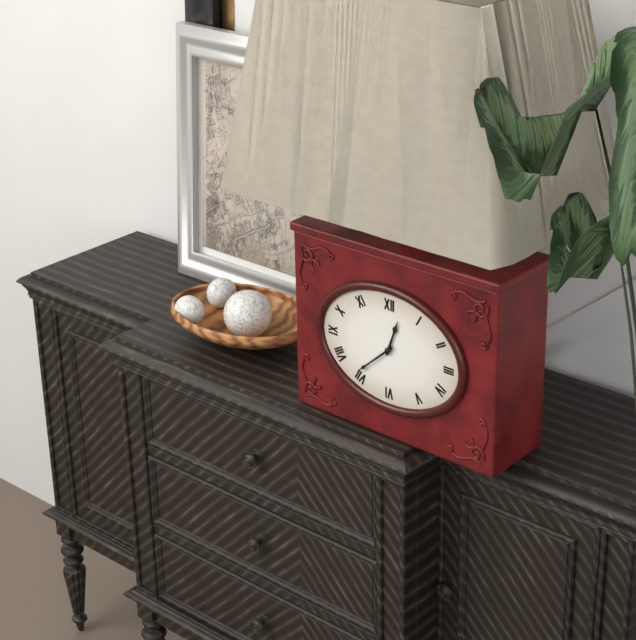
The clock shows 12 h 38 min
